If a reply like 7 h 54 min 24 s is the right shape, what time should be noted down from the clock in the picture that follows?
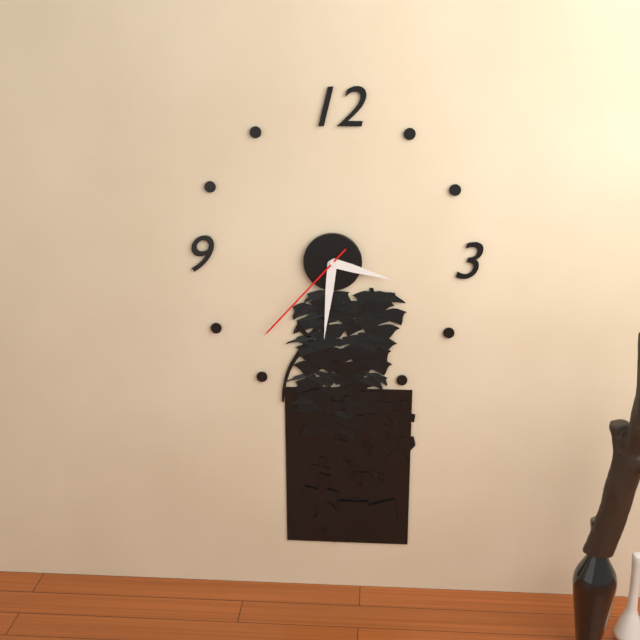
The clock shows 3 h 31 min 37 s
